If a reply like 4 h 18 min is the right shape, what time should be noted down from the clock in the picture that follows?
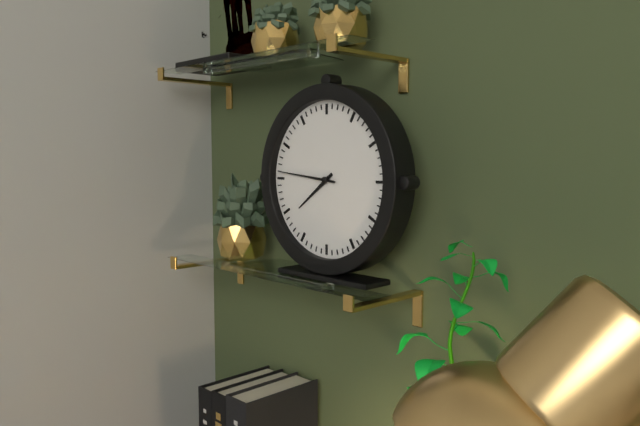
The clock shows 7 h 46 min
